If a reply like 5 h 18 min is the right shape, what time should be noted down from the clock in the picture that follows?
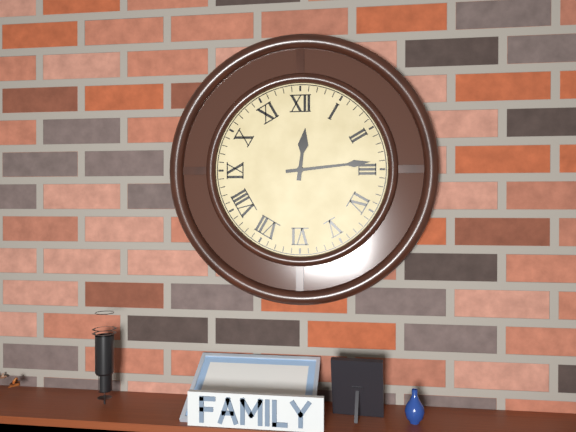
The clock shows 12 h 14 min
